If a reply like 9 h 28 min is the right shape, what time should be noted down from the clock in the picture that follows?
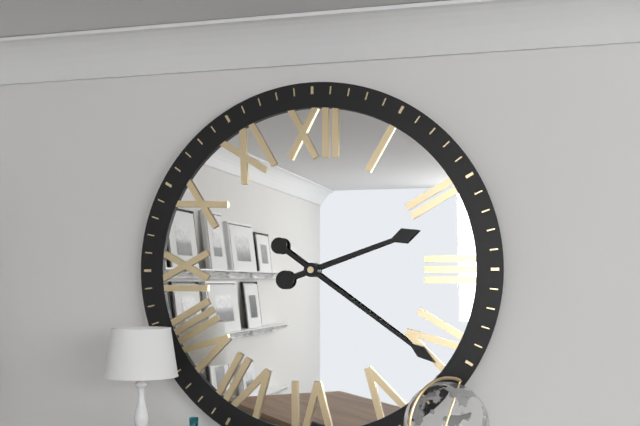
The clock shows 2 h 21 min
